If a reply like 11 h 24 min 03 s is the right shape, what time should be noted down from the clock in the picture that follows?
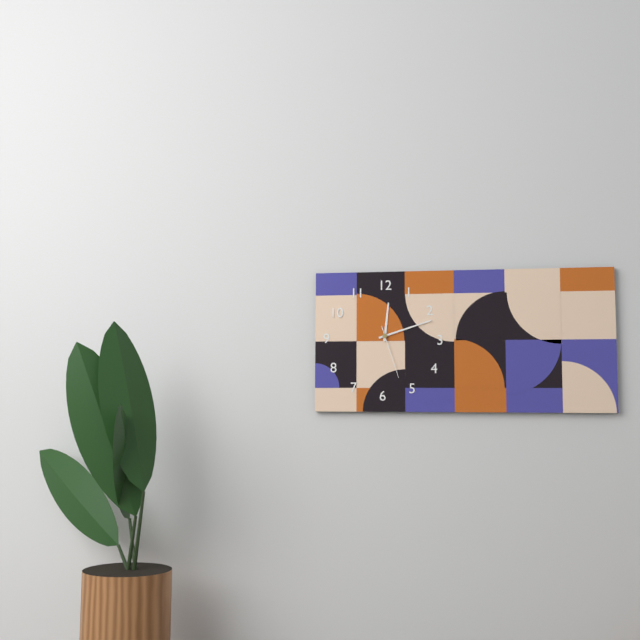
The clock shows 12 h 12 min 27 s
